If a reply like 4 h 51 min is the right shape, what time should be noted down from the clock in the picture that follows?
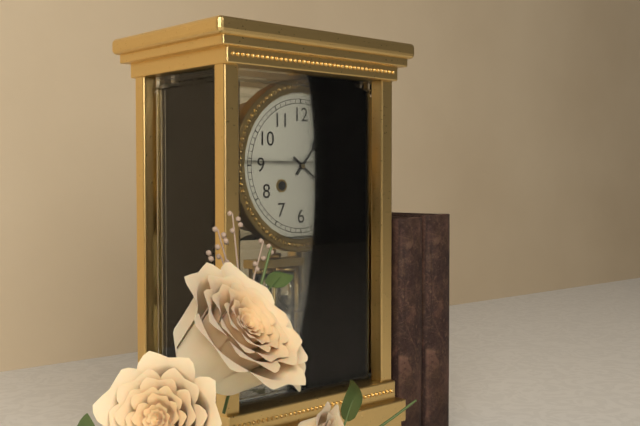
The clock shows 1 h 21 min
